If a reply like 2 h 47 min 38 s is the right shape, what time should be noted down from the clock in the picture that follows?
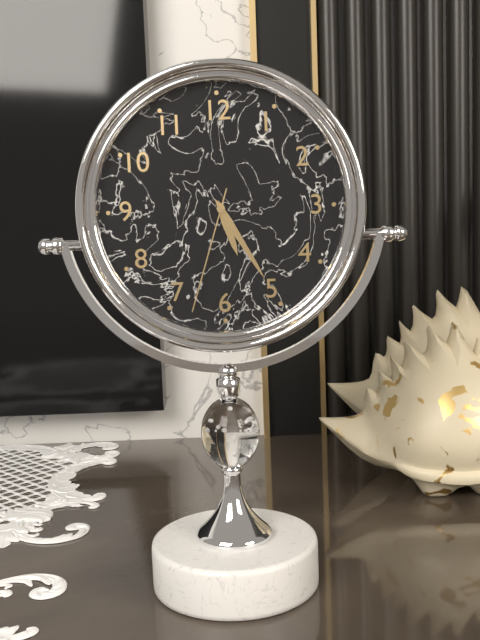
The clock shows 5 h 25 min 33 s
